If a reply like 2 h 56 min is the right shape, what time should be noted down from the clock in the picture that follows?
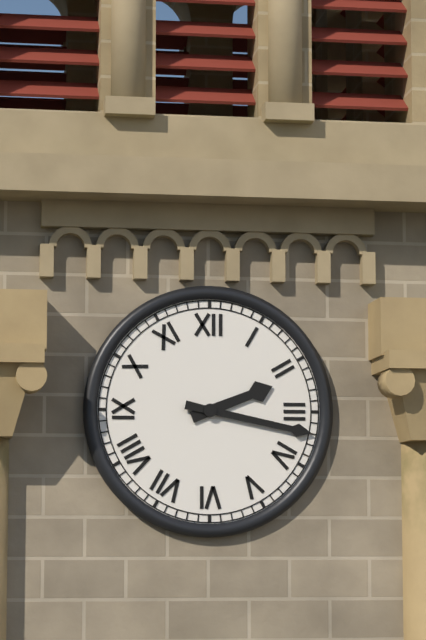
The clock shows 2 h 17 min
